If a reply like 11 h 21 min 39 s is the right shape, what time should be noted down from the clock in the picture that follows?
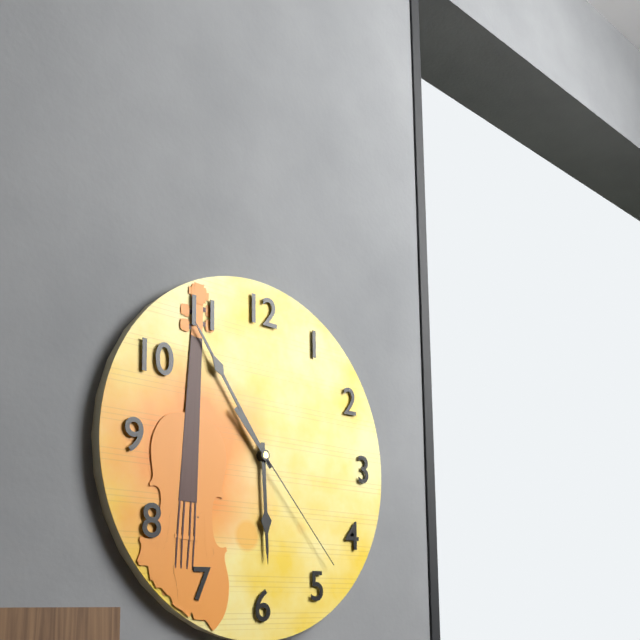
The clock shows 5 h 54 min 23 s
